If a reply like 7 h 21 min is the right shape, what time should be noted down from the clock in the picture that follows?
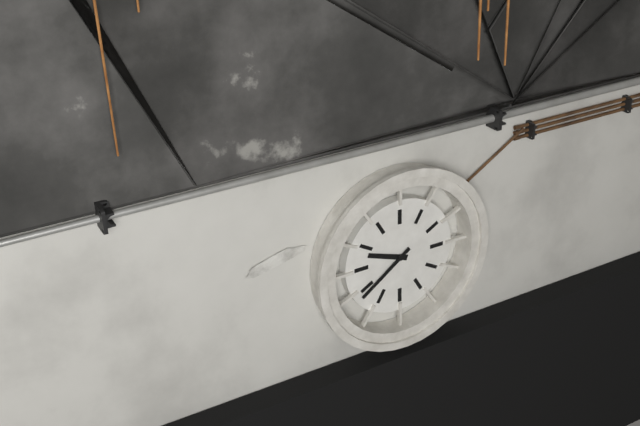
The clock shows 9 h 39 min
